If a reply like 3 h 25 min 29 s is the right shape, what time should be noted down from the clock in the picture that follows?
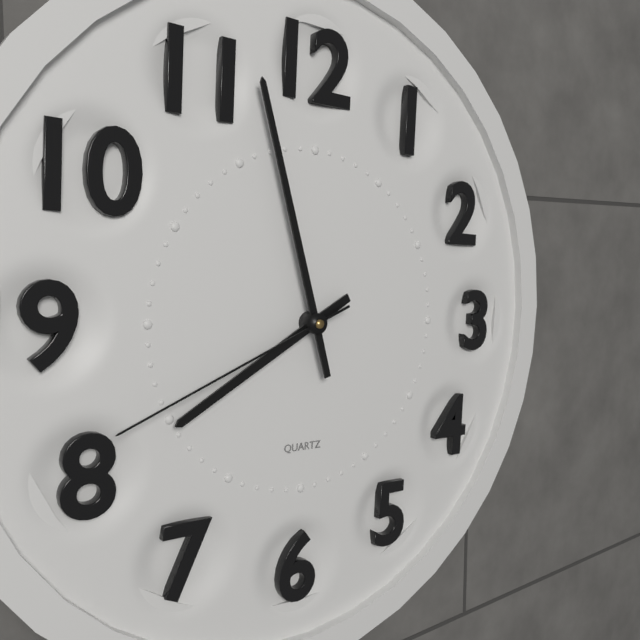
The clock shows 7 h 57 min 41 s
